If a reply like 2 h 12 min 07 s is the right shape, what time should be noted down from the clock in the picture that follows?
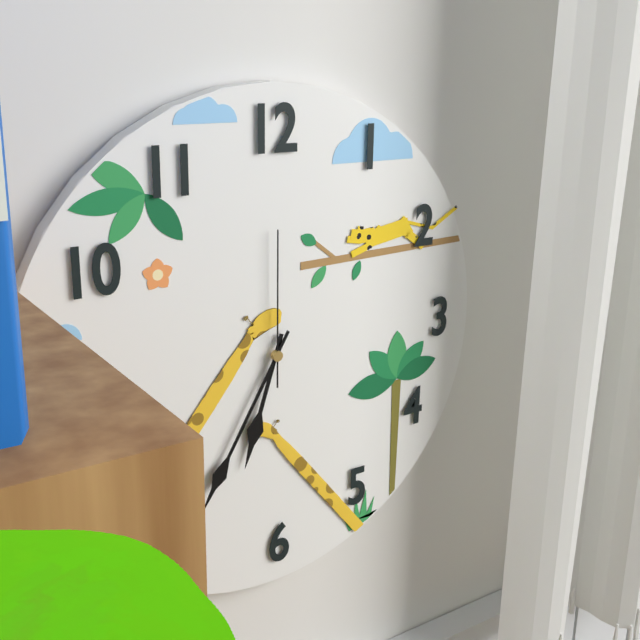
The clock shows 6 h 35 min 00 s
